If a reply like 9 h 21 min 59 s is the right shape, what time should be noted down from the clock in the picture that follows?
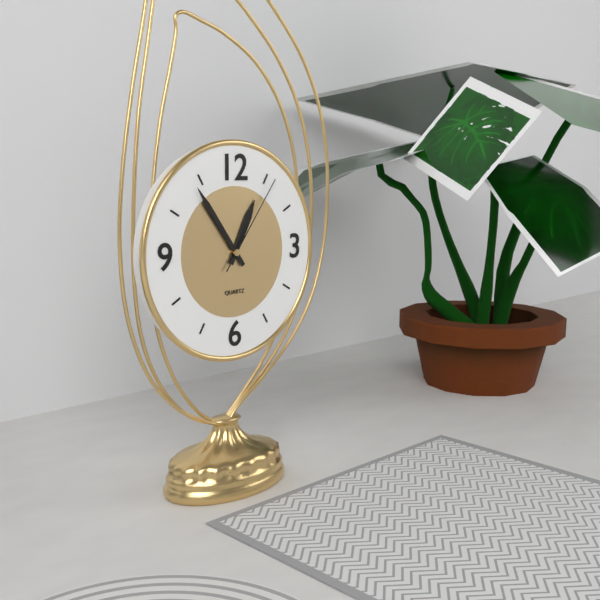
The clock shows 12 h 54 min 06 s
